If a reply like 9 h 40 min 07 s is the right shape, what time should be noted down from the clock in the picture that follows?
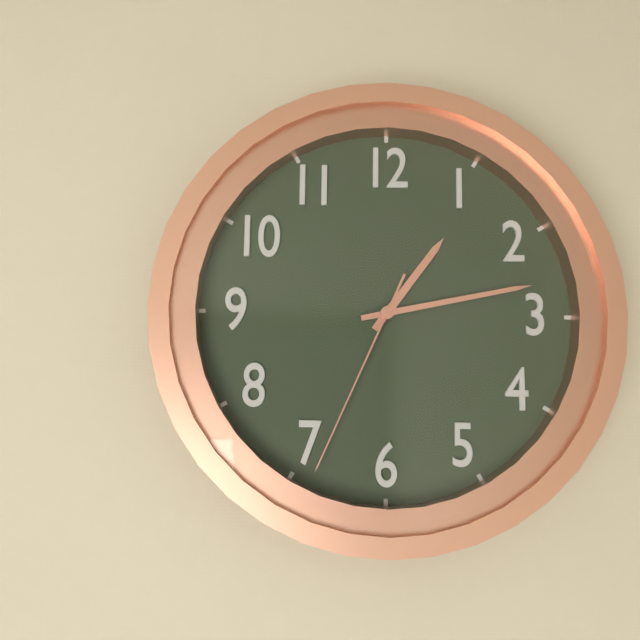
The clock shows 1 h 13 min 34 s
